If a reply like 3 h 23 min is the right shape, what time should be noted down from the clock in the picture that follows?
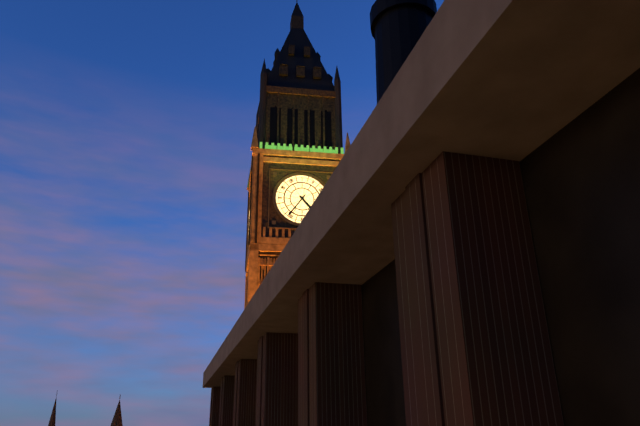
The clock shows 4 h 36 min
